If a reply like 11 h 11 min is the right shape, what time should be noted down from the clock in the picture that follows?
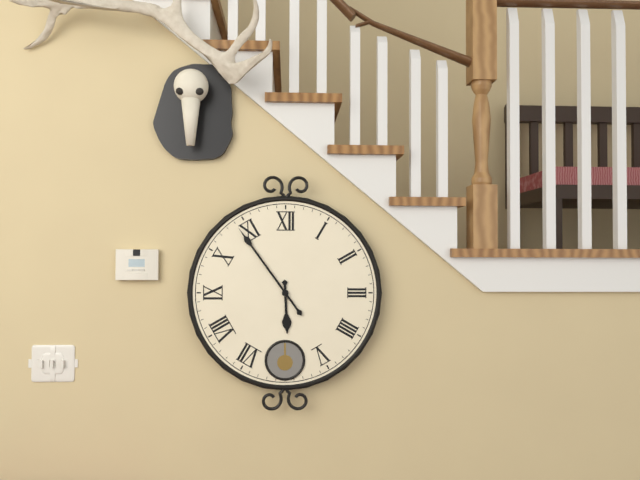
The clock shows 5 h 54 min
